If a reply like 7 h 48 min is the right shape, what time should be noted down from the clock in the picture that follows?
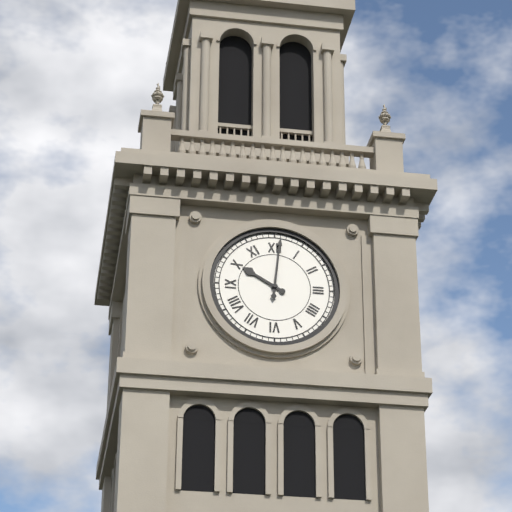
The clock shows 10 h 01 min
